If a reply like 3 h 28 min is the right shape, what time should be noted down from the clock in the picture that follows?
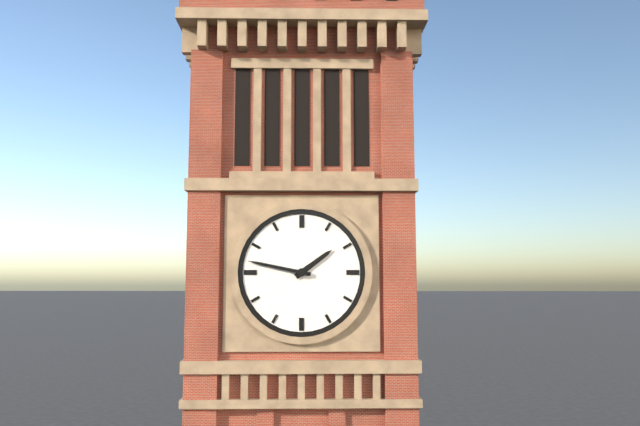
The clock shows 1 h 47 min
